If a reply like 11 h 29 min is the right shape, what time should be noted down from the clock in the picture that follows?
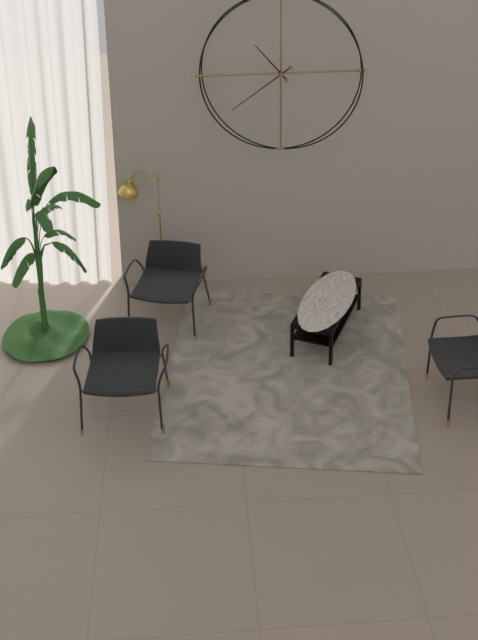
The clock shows 10 h 39 min
